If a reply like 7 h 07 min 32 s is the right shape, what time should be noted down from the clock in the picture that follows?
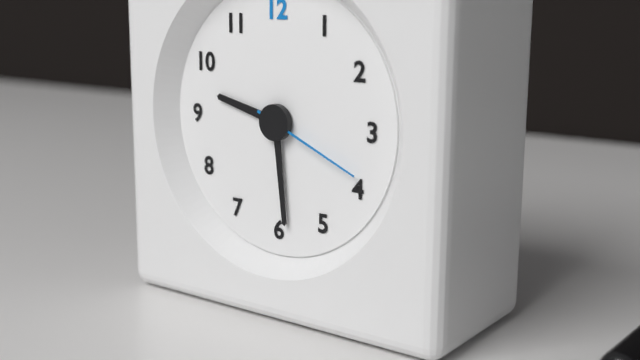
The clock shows 9 h 29 min 19 s
